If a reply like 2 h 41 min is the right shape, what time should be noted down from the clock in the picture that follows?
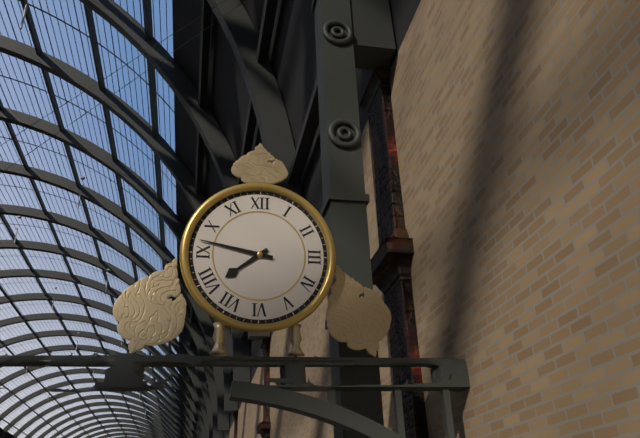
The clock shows 7 h 47 min
